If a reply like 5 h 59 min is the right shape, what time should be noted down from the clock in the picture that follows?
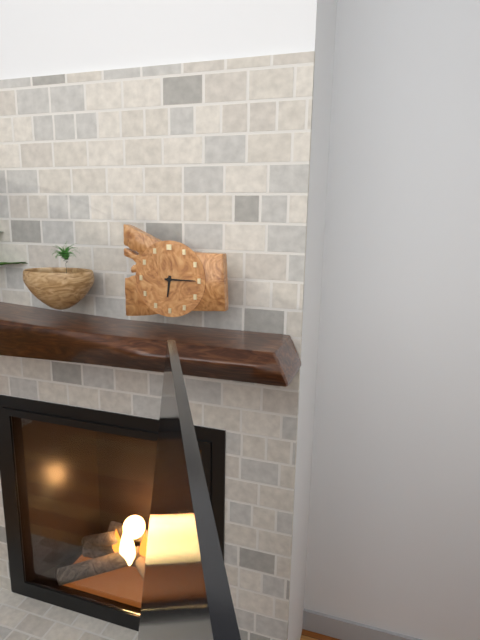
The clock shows 6 h 15 min
